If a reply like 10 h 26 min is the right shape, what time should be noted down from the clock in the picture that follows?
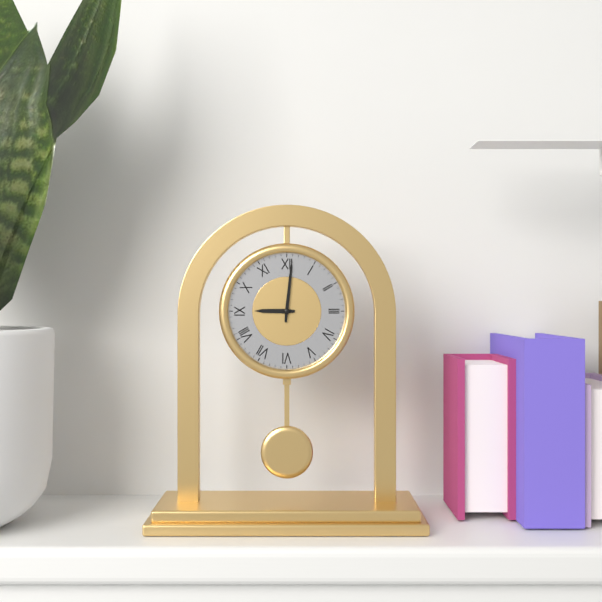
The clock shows 9 h 01 min
